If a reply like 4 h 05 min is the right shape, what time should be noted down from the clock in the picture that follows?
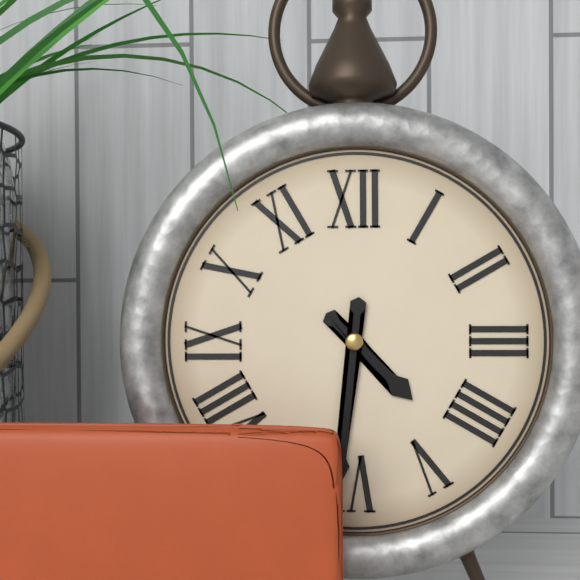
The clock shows 4 h 31 min
